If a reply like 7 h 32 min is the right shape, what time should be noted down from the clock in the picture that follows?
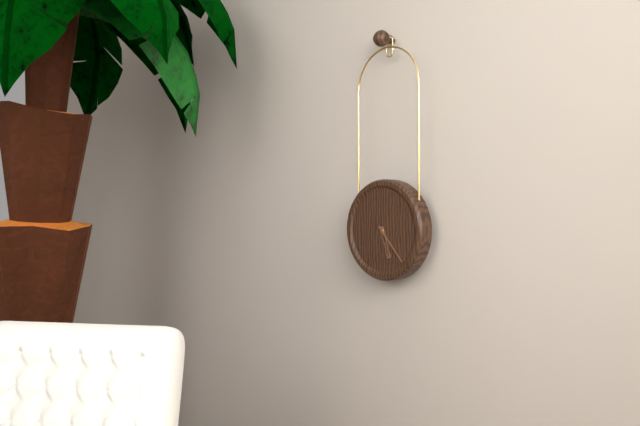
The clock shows 5 h 23 min
